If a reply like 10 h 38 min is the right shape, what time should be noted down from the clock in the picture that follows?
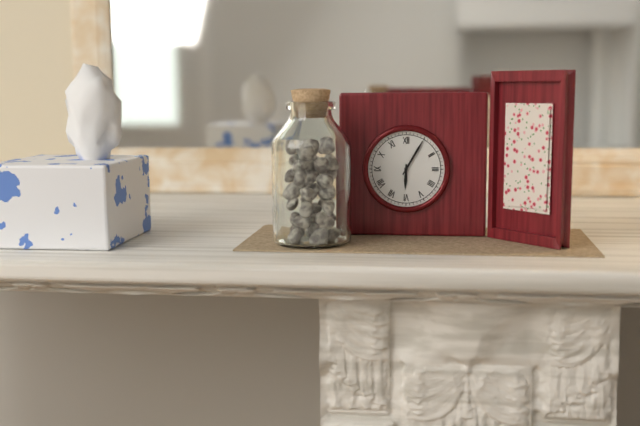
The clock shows 6 h 05 min
